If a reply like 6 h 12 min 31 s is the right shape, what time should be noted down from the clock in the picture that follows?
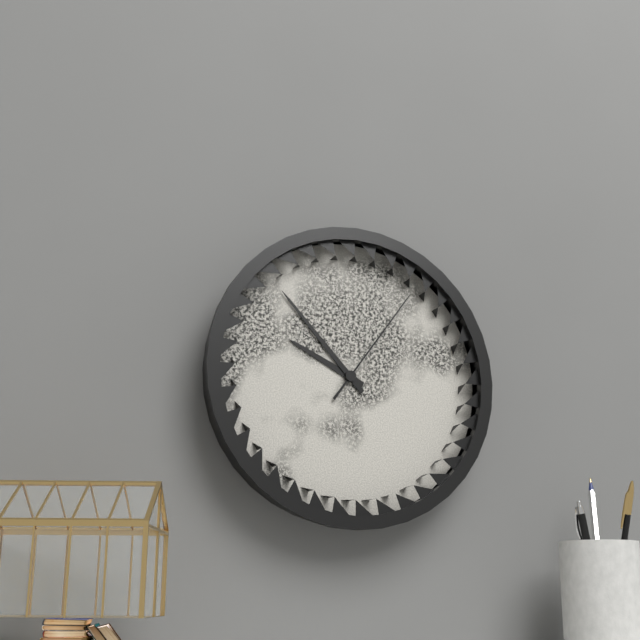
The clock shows 9 h 53 min 06 s
